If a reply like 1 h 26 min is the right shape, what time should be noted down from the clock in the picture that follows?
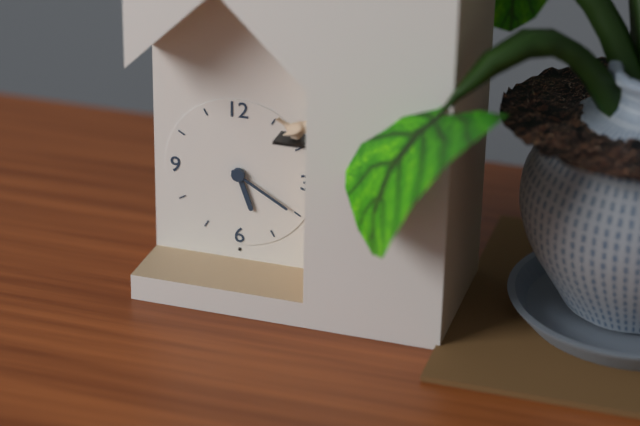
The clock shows 5 h 20 min
